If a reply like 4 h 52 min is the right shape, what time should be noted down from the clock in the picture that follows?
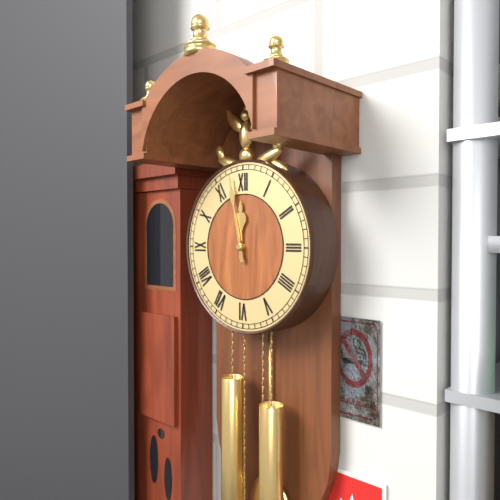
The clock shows 11 h 58 min
